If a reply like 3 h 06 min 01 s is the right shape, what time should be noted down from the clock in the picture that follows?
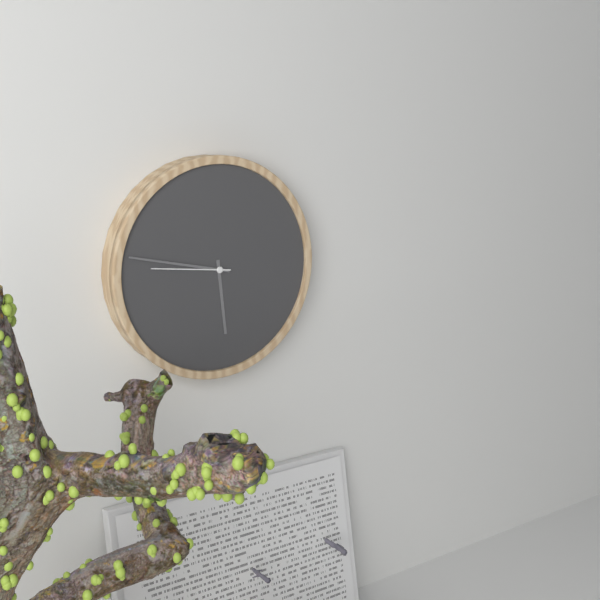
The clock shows 5 h 47 min 46 s
